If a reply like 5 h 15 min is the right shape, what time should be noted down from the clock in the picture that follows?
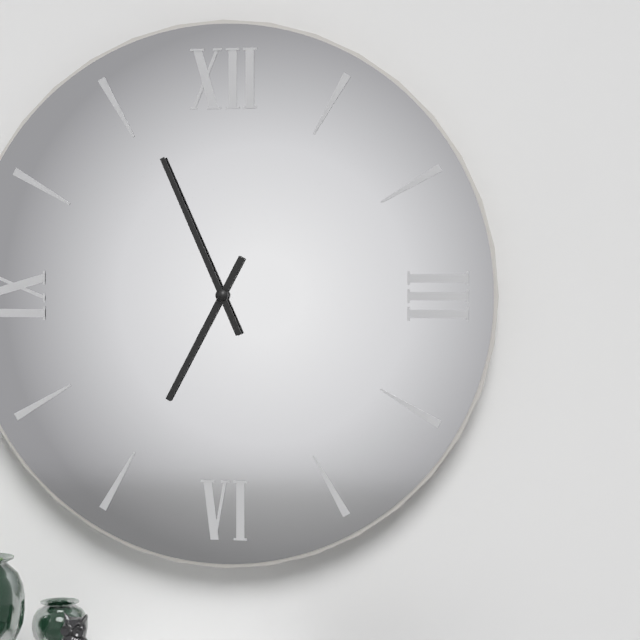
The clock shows 6 h 56 min
